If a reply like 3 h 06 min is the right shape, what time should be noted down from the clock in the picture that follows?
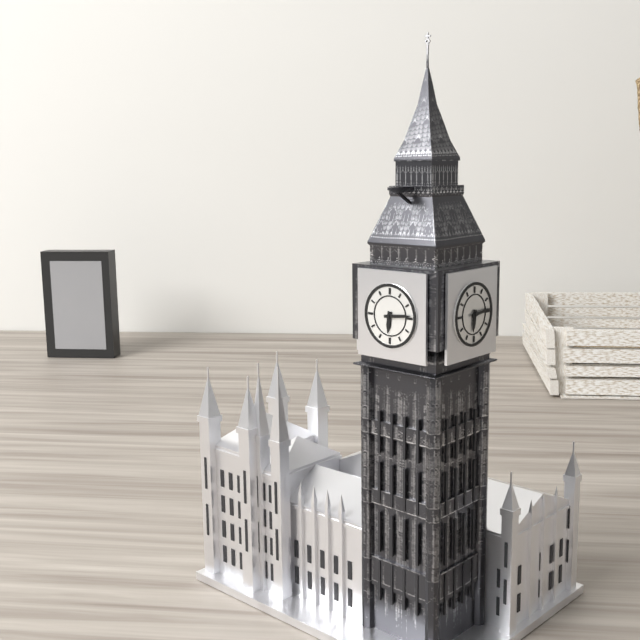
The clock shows 6 h 14 min
